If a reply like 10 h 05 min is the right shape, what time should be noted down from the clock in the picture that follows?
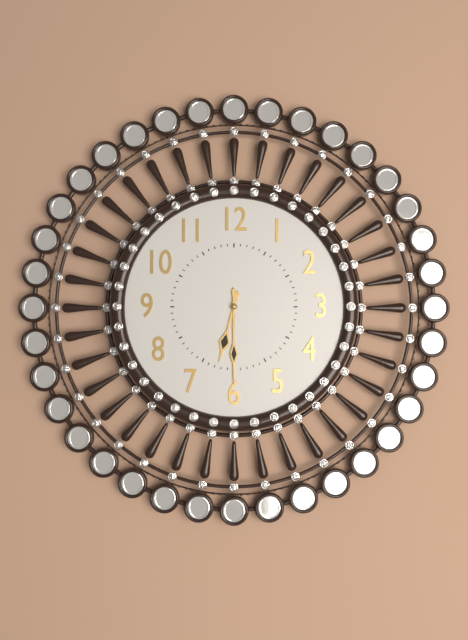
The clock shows 6 h 30 min
